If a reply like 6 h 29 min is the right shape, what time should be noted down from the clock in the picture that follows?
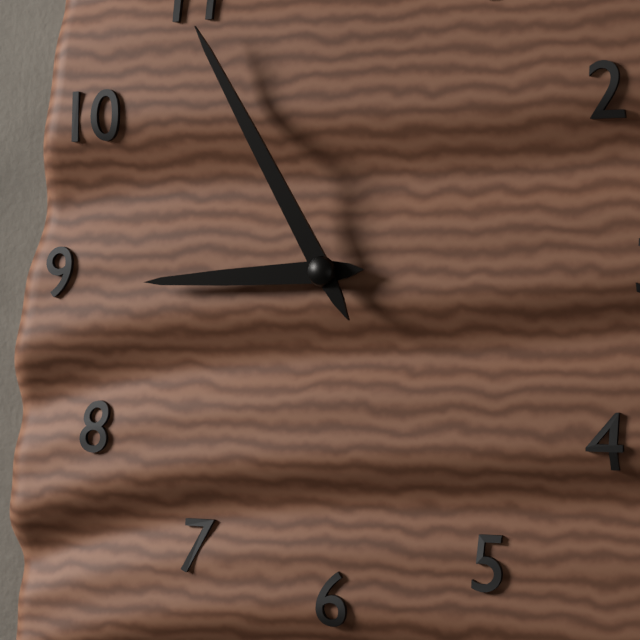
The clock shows 8 h 55 min
